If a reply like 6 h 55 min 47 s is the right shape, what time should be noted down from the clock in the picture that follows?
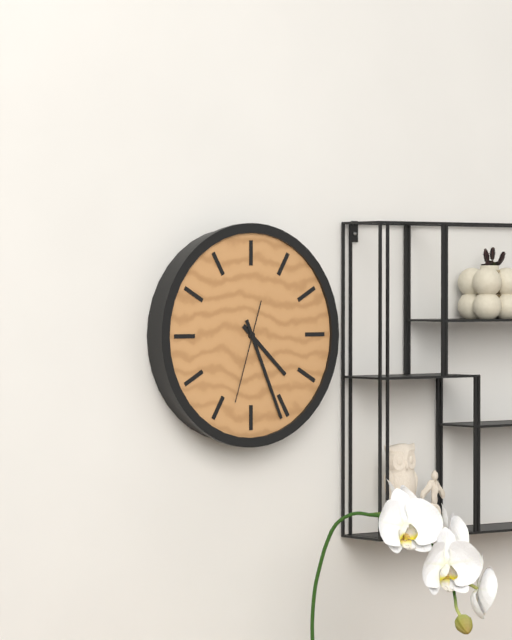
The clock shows 4 h 26 min 33 s
